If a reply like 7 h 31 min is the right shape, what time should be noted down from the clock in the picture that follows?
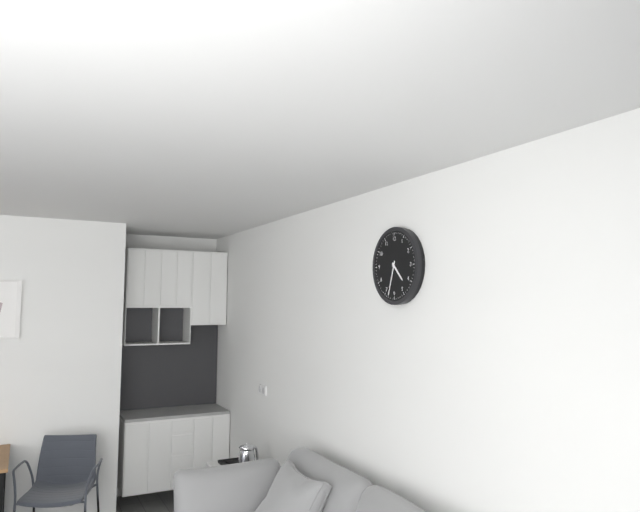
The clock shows 4 h 33 min
